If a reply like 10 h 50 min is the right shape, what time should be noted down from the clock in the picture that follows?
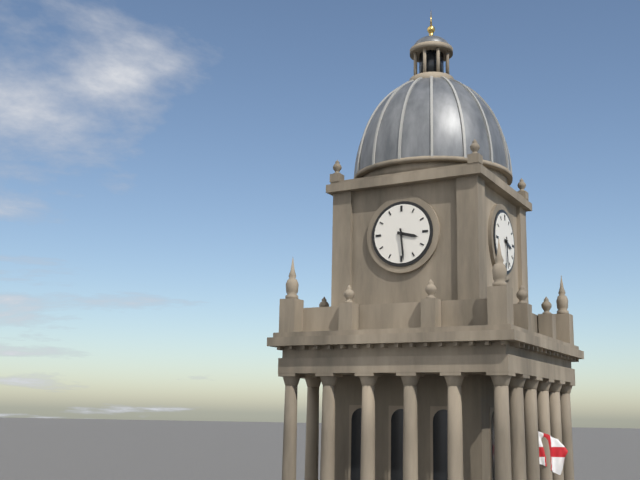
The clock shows 3 h 29 min
